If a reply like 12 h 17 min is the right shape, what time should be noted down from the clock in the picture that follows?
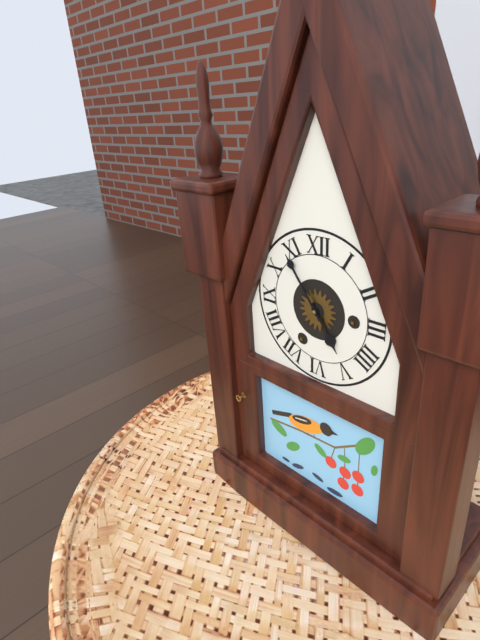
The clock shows 4 h 54 min
